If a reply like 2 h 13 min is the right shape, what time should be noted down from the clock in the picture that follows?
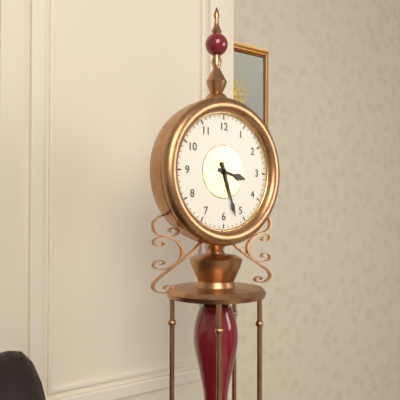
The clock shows 3 h 27 min
